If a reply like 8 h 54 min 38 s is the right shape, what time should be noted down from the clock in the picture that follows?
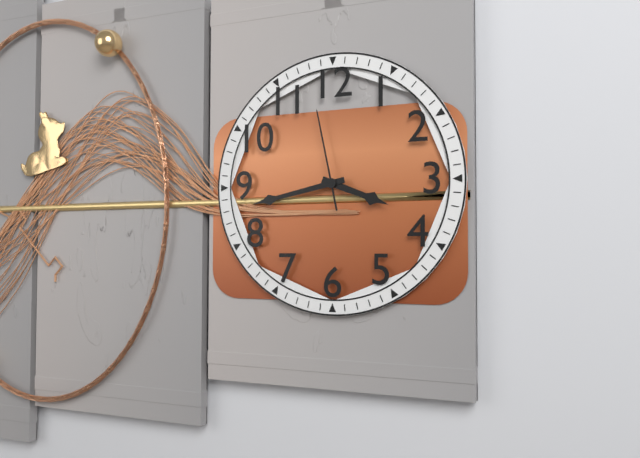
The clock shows 3 h 43 min 58 s
